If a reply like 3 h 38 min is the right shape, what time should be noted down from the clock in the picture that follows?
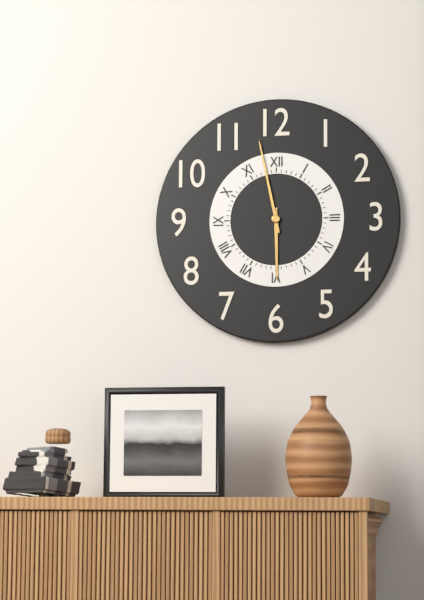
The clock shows 5 h 58 min
